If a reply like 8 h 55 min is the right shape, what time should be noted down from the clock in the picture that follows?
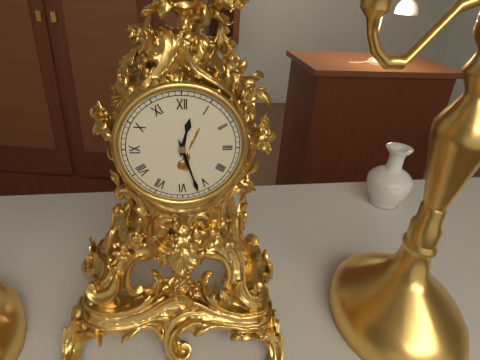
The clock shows 12 h 27 min
